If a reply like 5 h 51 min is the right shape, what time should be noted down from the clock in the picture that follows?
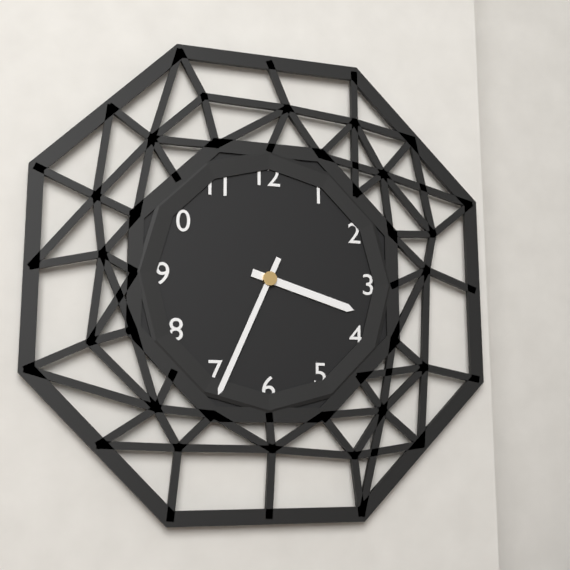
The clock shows 3 h 34 min
